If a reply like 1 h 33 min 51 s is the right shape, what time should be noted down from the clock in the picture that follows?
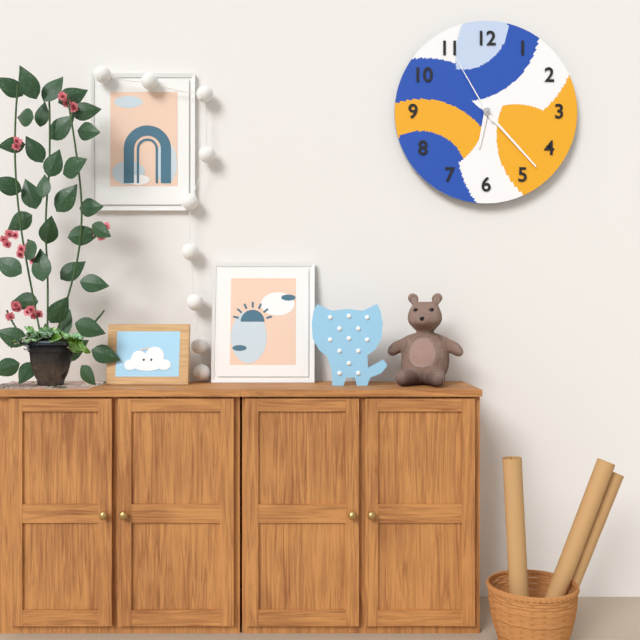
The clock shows 6 h 23 min 55 s
